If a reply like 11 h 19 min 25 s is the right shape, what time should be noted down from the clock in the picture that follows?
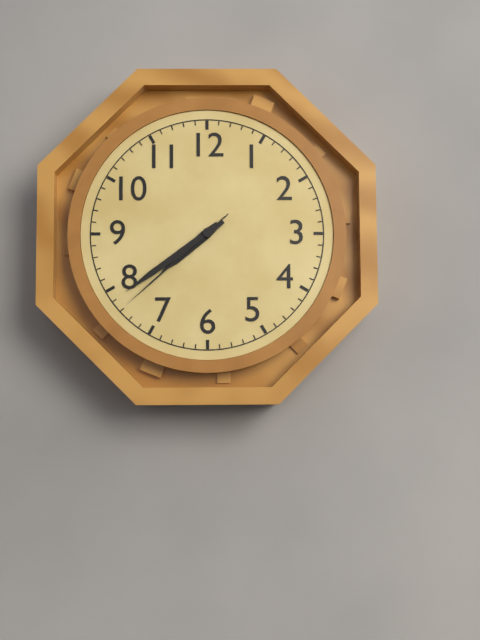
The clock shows 7 h 39 min 38 s
